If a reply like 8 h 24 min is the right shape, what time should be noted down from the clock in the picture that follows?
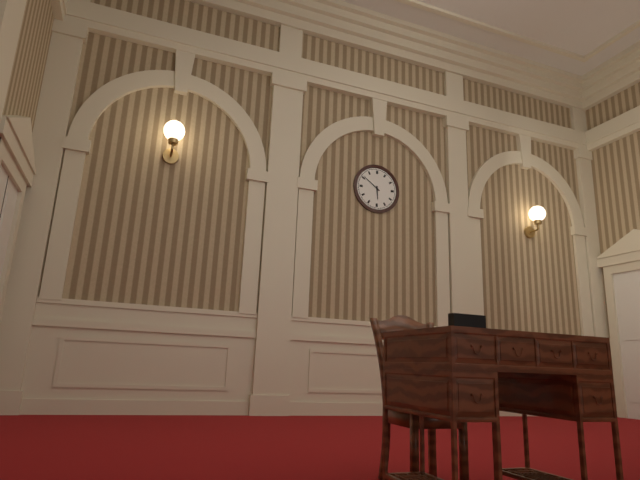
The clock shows 5 h 51 min
